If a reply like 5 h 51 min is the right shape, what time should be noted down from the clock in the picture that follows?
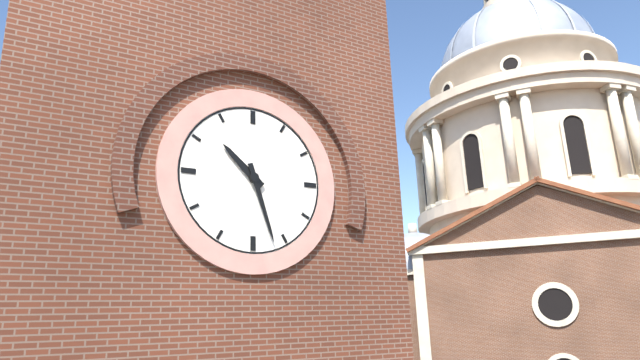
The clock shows 10 h 27 min
